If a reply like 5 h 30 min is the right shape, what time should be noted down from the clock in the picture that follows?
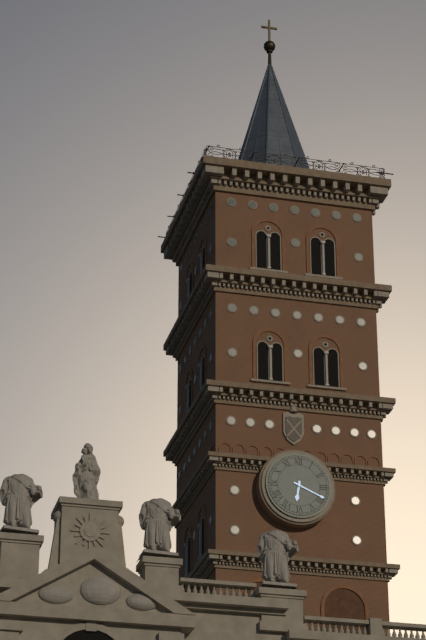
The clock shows 6 h 19 min
